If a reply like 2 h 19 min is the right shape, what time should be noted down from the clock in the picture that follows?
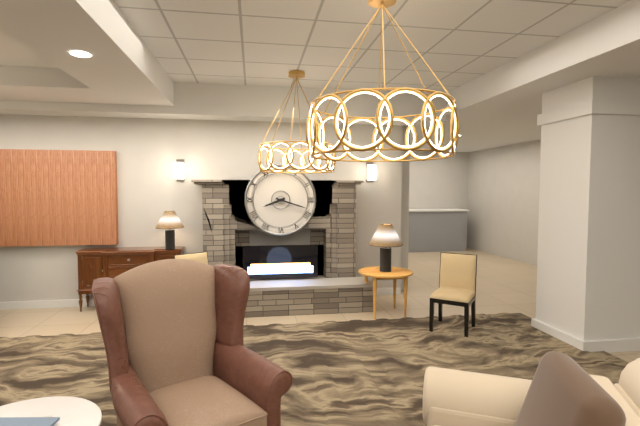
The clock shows 8 h 18 min
